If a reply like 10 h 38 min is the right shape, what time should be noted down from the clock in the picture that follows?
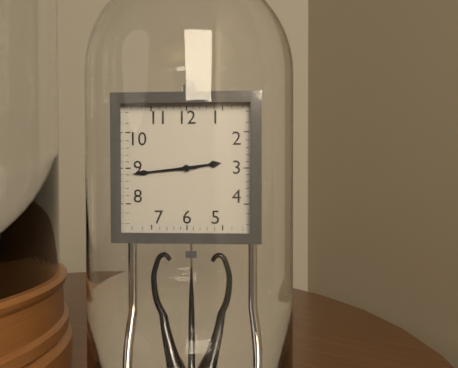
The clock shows 2 h 44 min
